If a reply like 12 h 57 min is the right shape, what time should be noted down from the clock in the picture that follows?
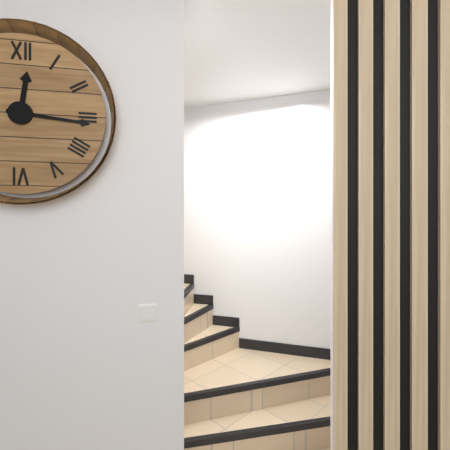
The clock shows 12 h 16 min
